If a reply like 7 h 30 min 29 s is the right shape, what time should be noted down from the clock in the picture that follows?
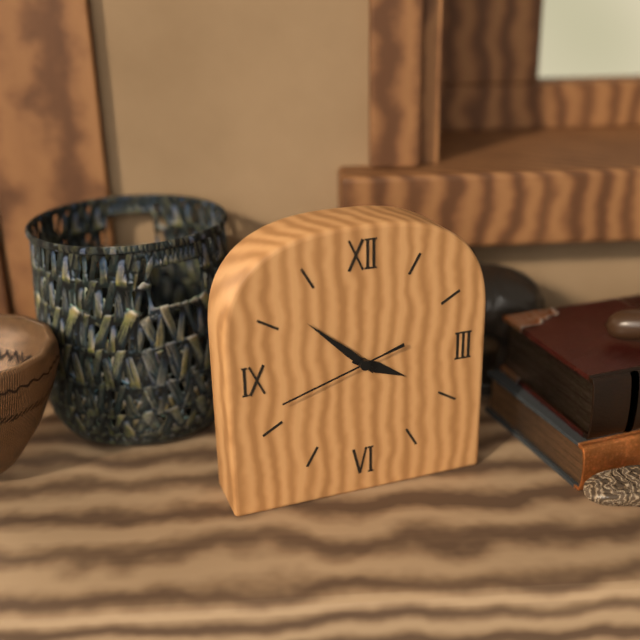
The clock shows 3 h 52 min 42 s
